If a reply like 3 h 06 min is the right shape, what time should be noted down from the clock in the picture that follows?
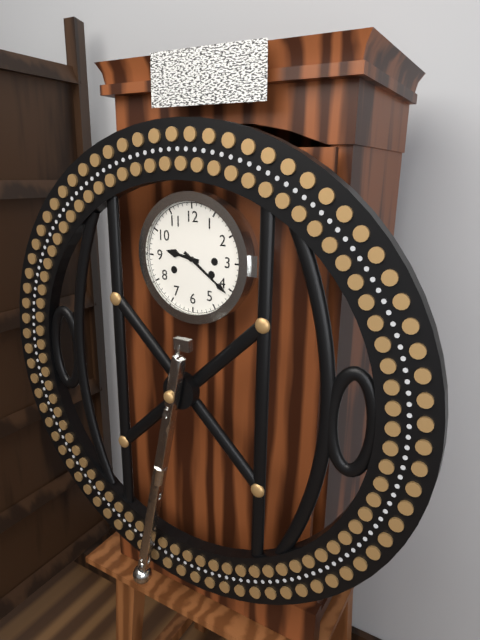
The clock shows 9 h 21 min
